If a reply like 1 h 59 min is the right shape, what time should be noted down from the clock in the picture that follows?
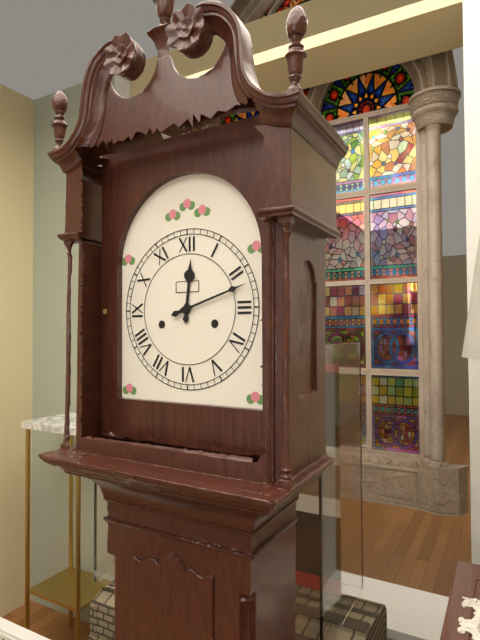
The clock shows 12 h 12 min
